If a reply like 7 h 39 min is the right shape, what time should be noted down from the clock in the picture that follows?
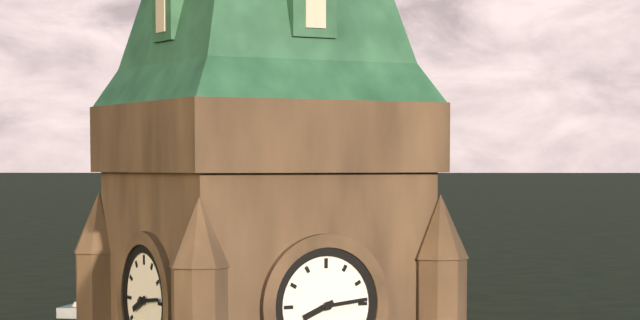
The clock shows 8 h 14 min
